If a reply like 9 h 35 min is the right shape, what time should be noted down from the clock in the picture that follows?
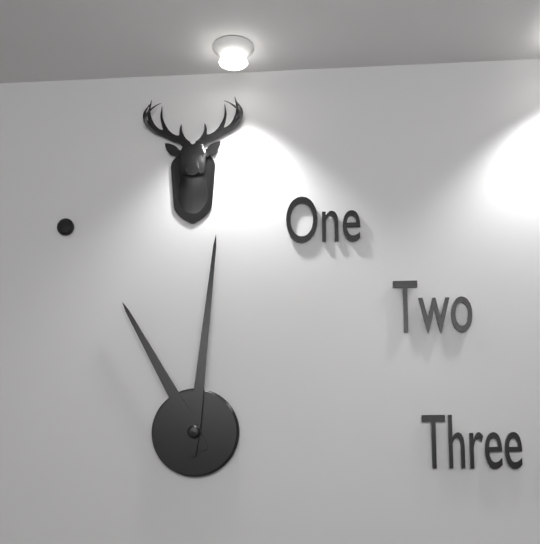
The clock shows 11 h 01 min
